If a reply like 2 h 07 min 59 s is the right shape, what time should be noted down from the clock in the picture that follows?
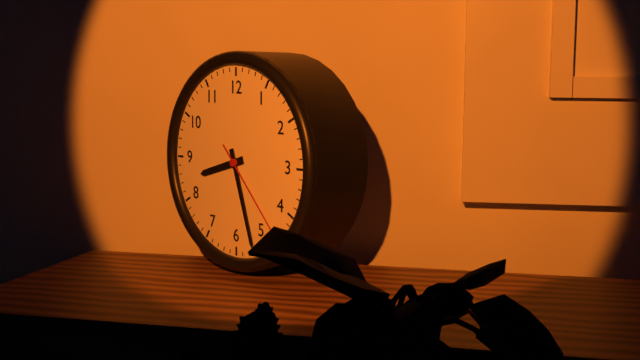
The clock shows 8 h 27 min 23 s
